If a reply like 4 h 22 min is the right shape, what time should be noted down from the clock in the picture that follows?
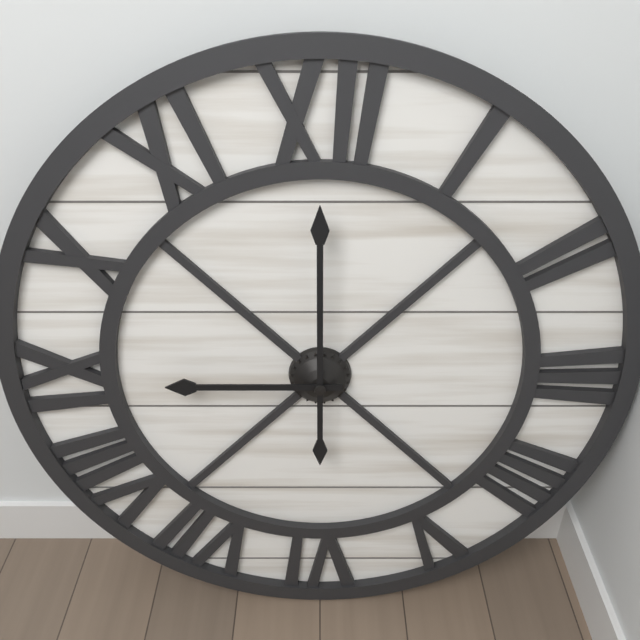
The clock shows 9 h 00 min
